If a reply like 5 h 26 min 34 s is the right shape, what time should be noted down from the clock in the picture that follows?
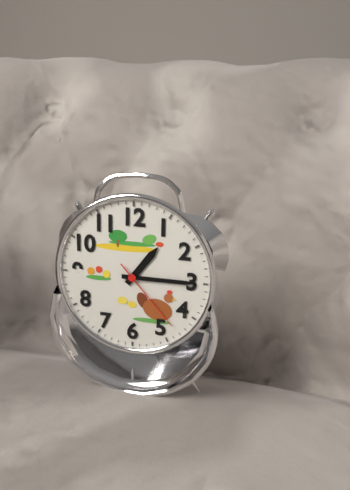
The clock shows 1 h 15 min 23 s
